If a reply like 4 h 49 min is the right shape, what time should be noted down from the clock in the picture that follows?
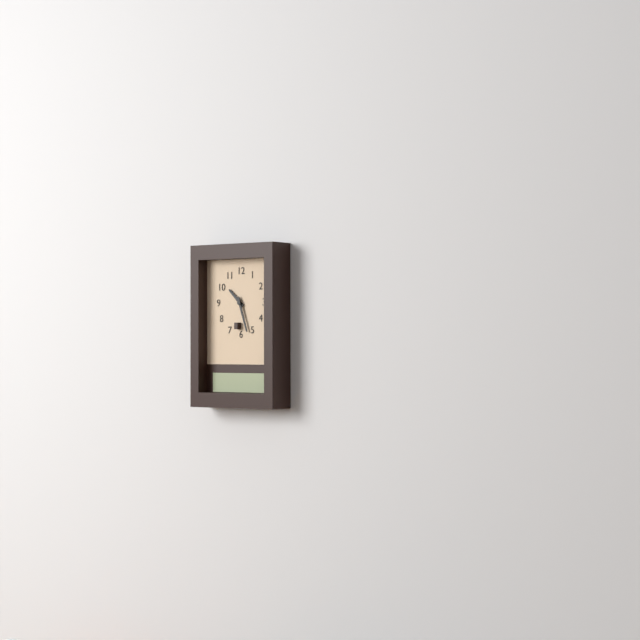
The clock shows 10 h 27 min
